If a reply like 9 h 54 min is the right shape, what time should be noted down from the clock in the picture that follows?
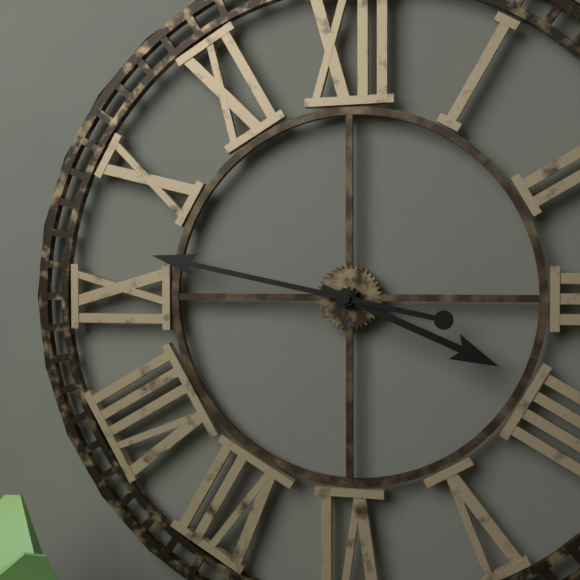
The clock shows 3 h 47 min
